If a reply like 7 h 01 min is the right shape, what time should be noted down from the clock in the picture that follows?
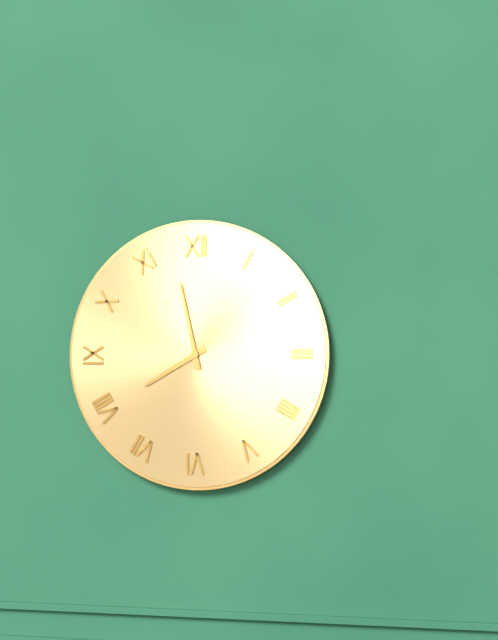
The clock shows 7 h 58 min
